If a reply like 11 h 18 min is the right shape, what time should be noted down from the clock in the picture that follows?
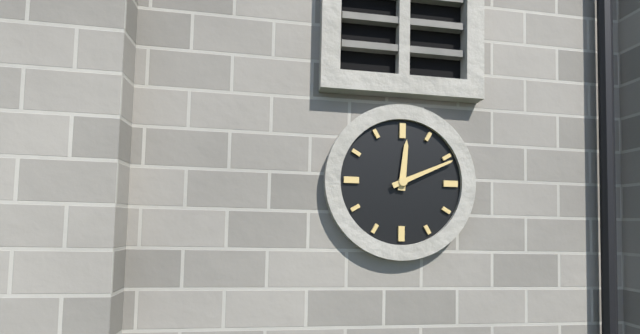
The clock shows 12 h 11 min
